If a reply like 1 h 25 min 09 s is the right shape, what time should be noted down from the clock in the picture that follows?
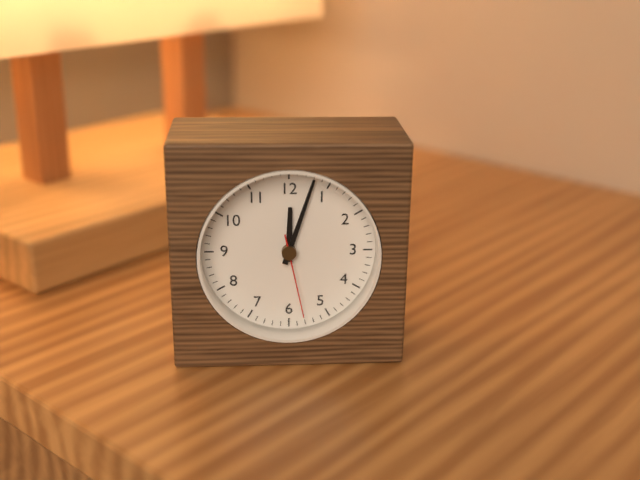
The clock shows 12 h 03 min 28 s
